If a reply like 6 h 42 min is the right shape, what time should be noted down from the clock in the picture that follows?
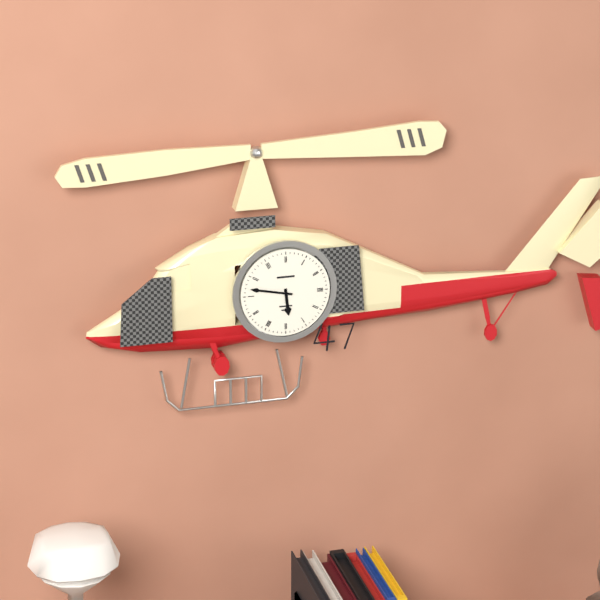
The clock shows 5 h 47 min
